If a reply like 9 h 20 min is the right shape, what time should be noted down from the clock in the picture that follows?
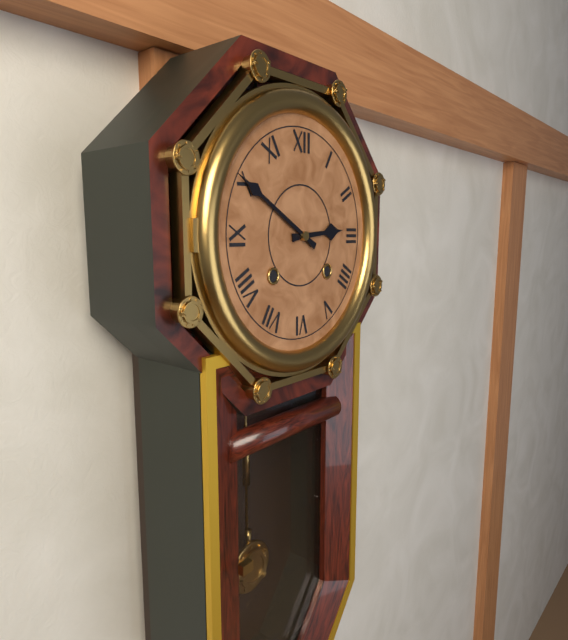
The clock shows 2 h 50 min
